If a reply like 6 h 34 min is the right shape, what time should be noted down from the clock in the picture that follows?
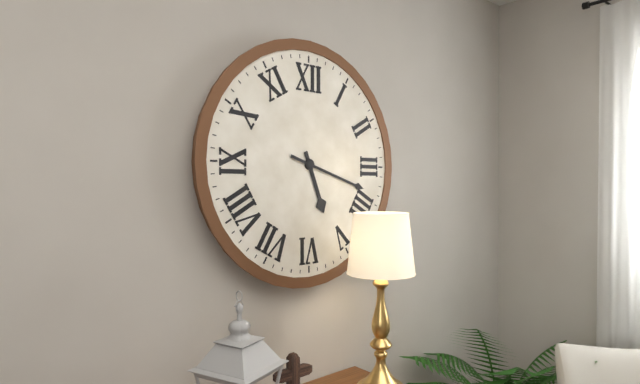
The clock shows 5 h 18 min
